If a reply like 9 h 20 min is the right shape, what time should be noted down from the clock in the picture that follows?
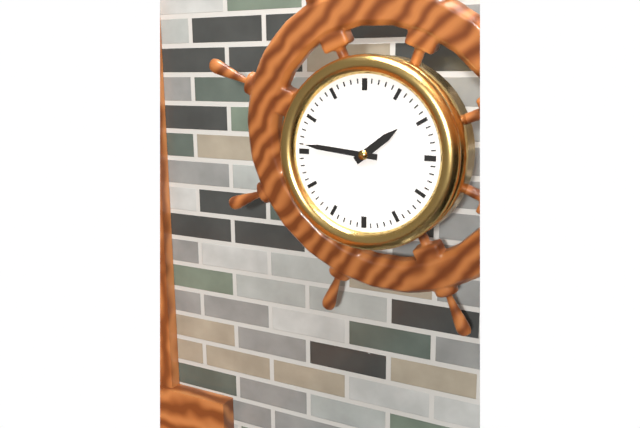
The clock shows 1 h 46 min
